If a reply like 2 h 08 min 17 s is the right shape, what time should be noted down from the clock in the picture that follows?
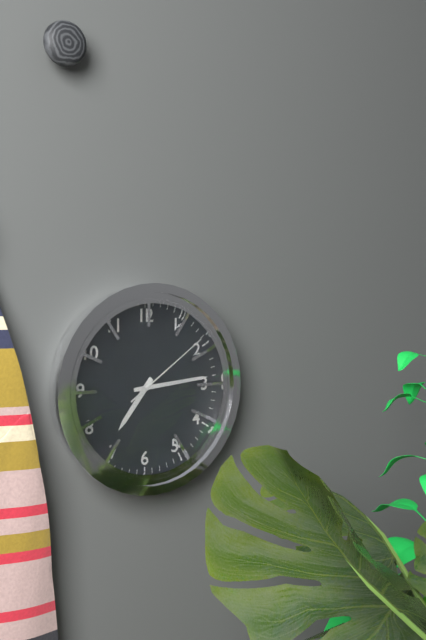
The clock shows 7 h 14 min 09 s
